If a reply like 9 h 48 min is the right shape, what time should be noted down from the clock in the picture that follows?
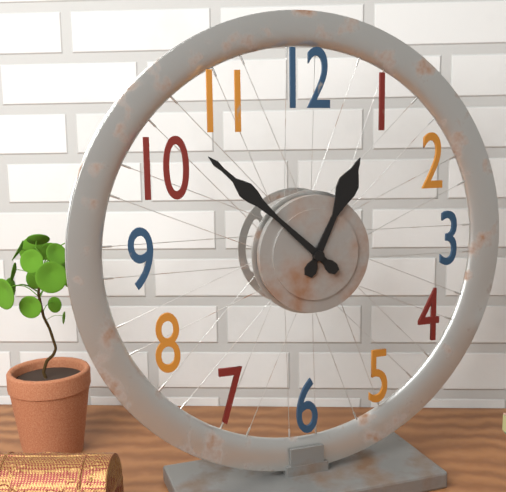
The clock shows 12 h 52 min
